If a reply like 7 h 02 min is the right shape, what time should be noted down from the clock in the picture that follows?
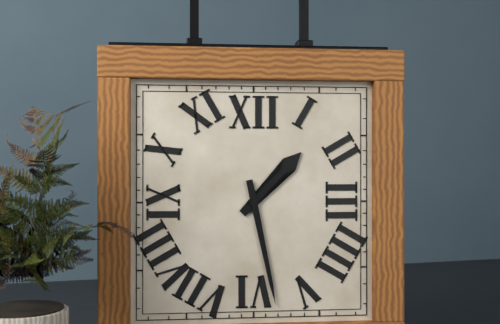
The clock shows 1 h 28 min
